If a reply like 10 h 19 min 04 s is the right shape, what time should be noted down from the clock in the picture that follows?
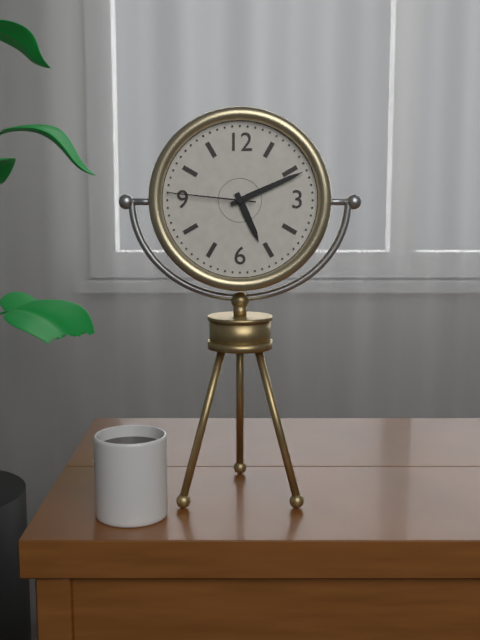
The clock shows 5 h 11 min 46 s
